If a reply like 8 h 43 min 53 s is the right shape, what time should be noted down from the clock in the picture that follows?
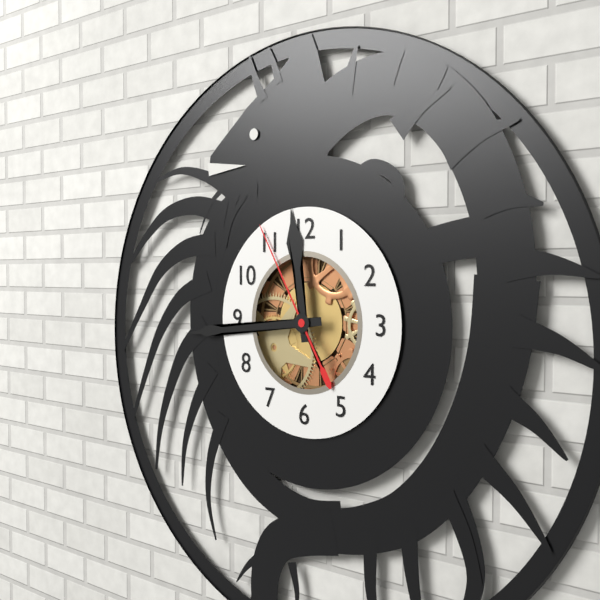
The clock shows 11 h 44 min 55 s
